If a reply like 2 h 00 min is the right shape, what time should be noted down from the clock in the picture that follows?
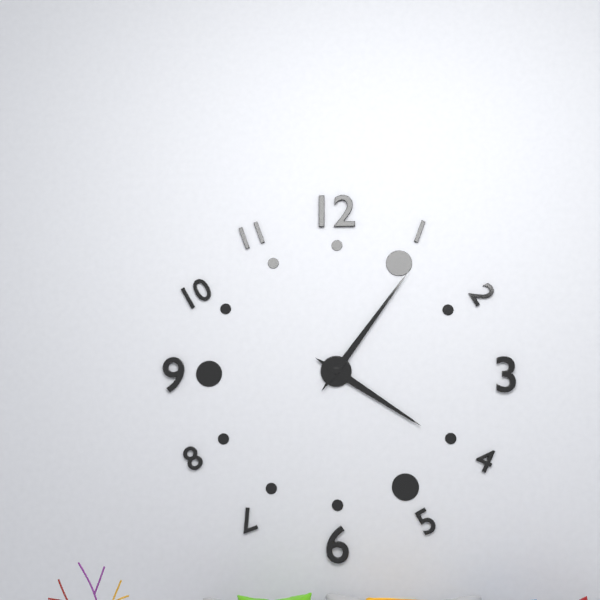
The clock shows 4 h 06 min
